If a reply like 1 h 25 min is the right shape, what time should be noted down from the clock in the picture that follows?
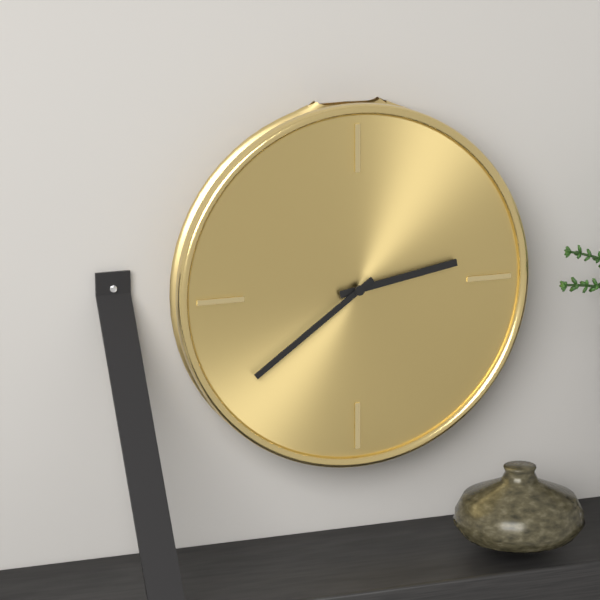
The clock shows 2 h 39 min
